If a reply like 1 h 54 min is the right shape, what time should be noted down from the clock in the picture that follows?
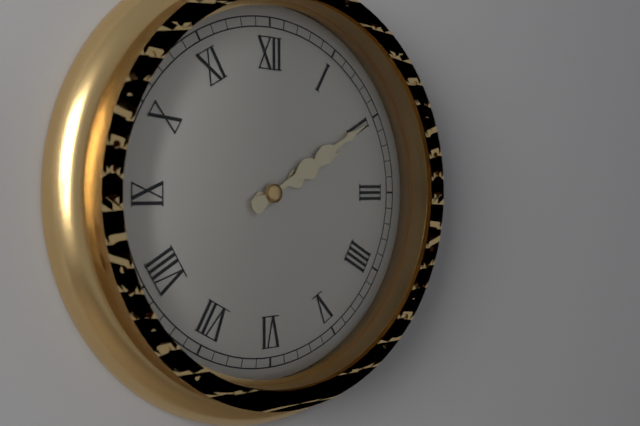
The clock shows 2 h 10 min
